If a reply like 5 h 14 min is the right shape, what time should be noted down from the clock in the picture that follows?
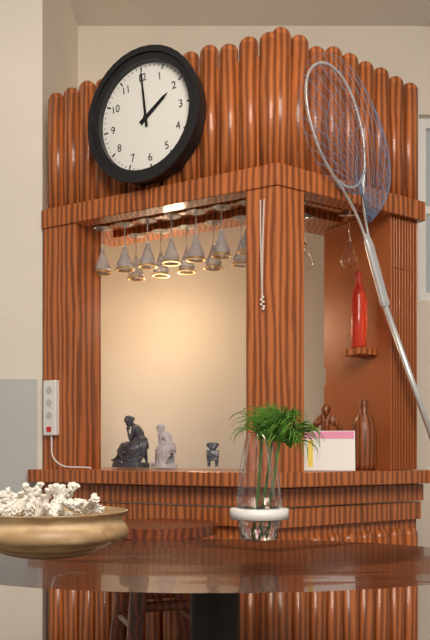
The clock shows 2 h 00 min
